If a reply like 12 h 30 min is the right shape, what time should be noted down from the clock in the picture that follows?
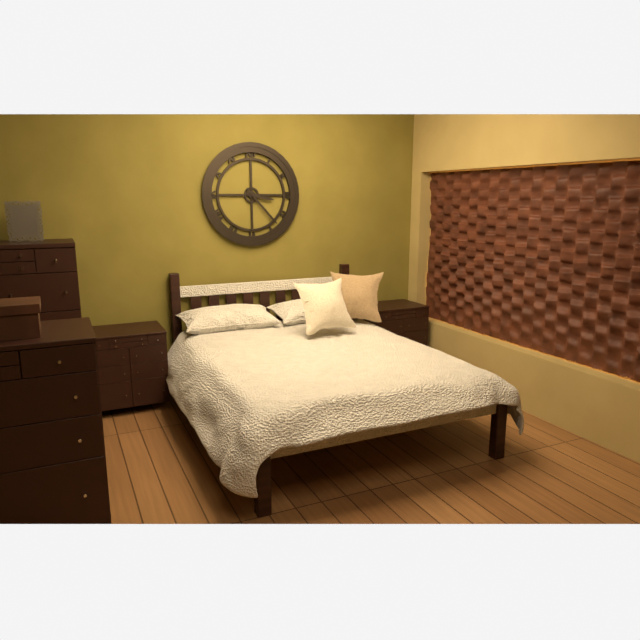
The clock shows 3 h 23 min
